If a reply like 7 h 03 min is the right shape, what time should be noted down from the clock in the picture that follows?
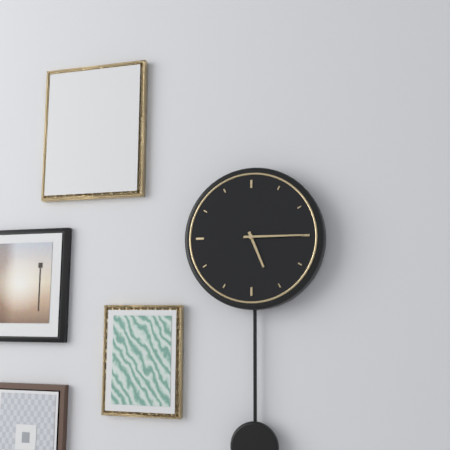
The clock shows 5 h 15 min
